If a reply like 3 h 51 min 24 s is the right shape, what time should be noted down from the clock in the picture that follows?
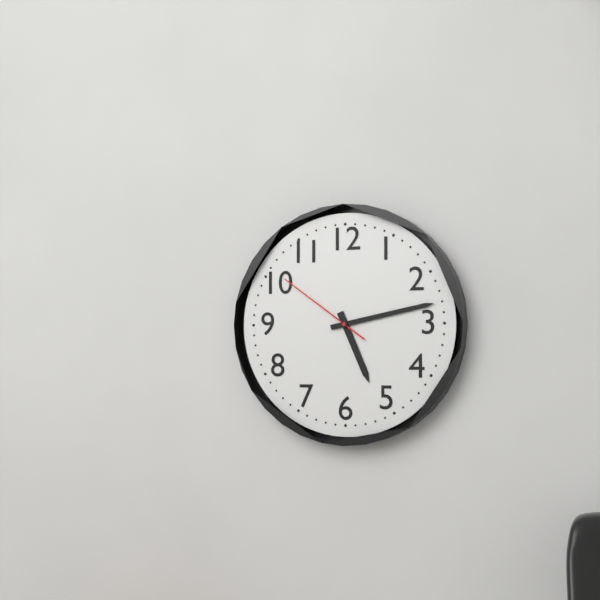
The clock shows 5 h 13 min 51 s
